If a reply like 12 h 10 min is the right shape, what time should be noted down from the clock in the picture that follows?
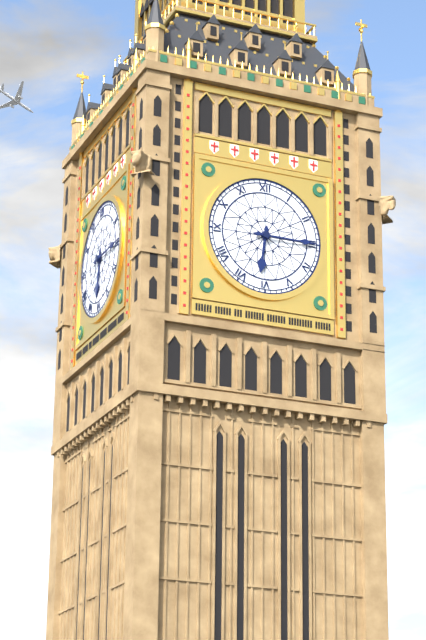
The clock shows 6 h 15 min
